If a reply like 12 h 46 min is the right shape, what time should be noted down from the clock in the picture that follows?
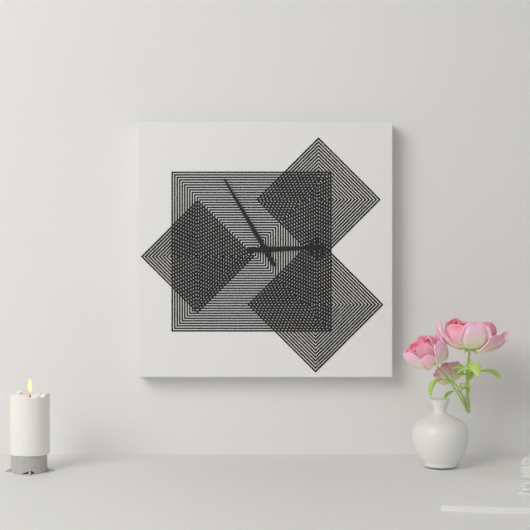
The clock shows 2 h 55 min
